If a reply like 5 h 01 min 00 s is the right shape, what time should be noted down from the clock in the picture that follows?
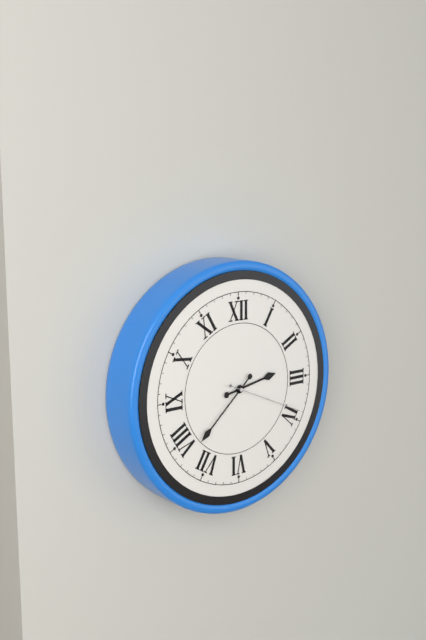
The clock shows 2 h 38 min 19 s
